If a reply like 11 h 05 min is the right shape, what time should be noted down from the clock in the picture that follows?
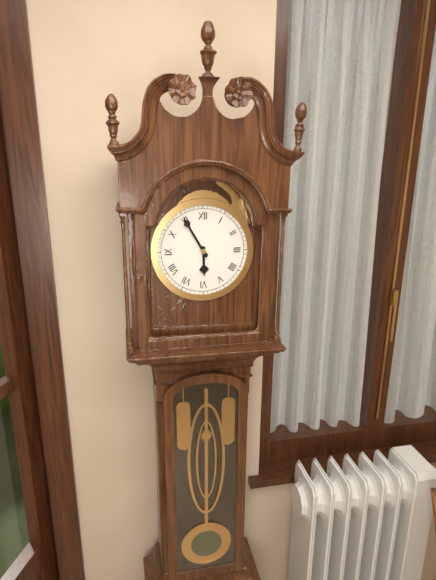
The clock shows 5 h 55 min
